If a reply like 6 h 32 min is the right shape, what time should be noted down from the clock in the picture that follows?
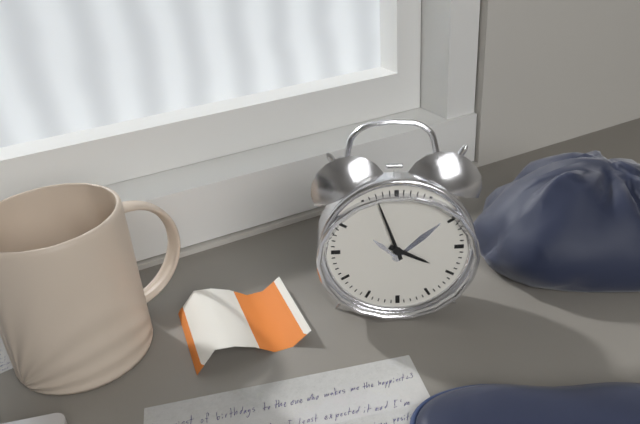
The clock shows 3 h 57 min
